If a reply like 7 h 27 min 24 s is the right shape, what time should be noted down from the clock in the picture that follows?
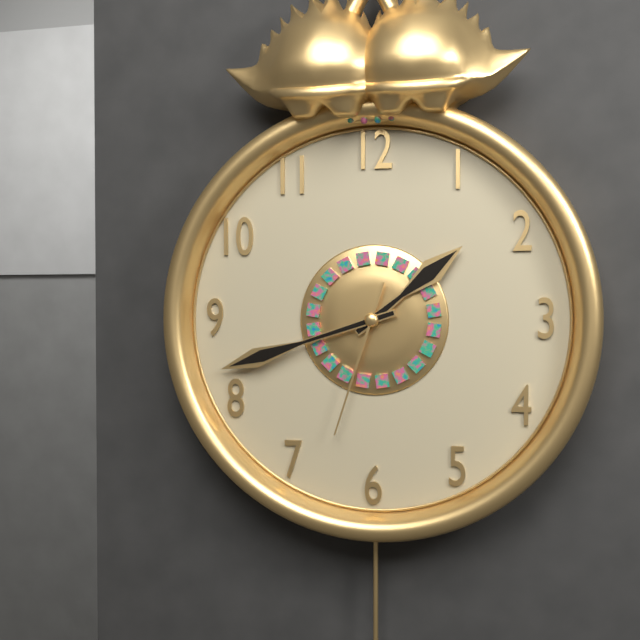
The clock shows 1 h 42 min 33 s
